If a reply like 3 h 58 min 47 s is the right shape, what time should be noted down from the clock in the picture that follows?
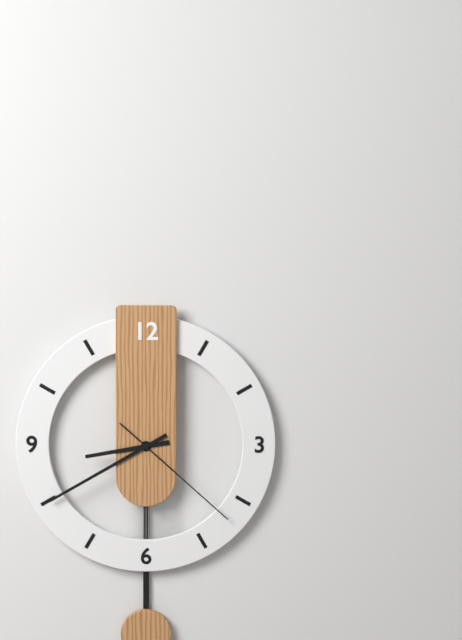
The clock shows 8 h 40 min 22 s
